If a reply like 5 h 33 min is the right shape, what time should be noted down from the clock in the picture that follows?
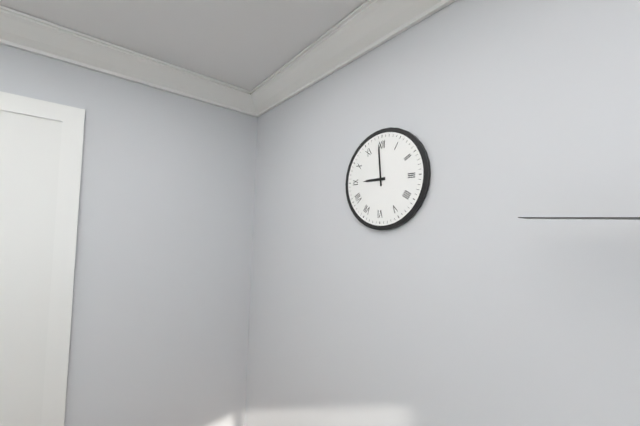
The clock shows 8 h 59 min
